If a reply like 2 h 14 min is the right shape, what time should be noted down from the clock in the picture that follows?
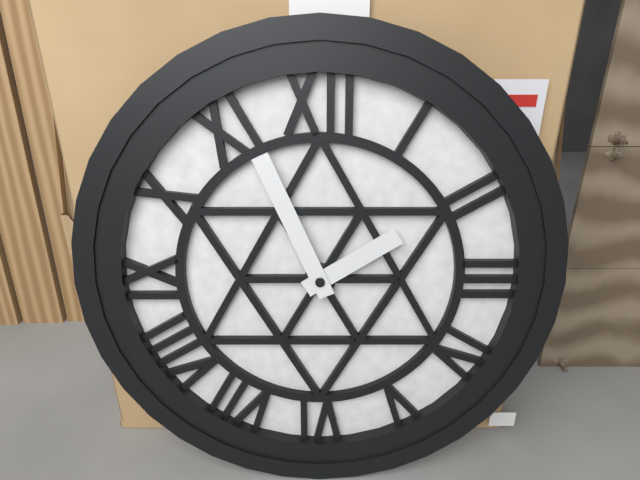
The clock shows 1 h 56 min
